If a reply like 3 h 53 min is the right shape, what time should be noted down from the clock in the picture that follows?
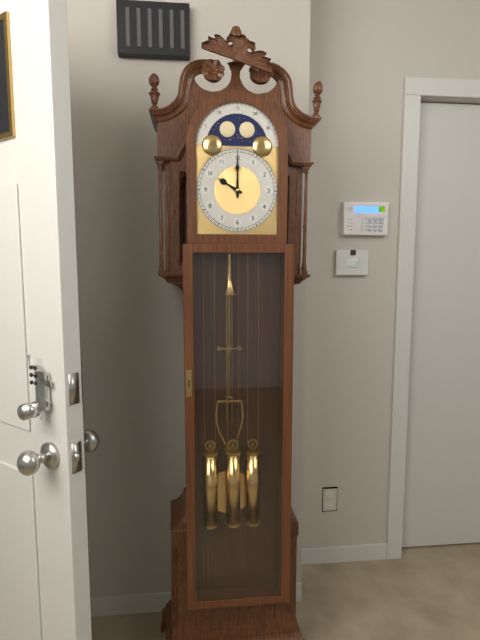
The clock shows 10 h 00 min
